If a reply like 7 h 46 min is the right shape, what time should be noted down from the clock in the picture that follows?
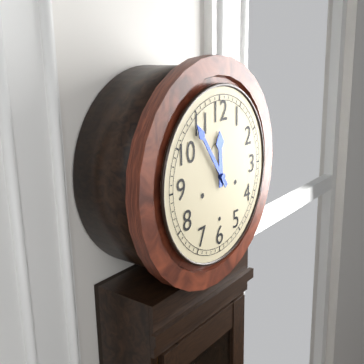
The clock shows 11 h 54 min
